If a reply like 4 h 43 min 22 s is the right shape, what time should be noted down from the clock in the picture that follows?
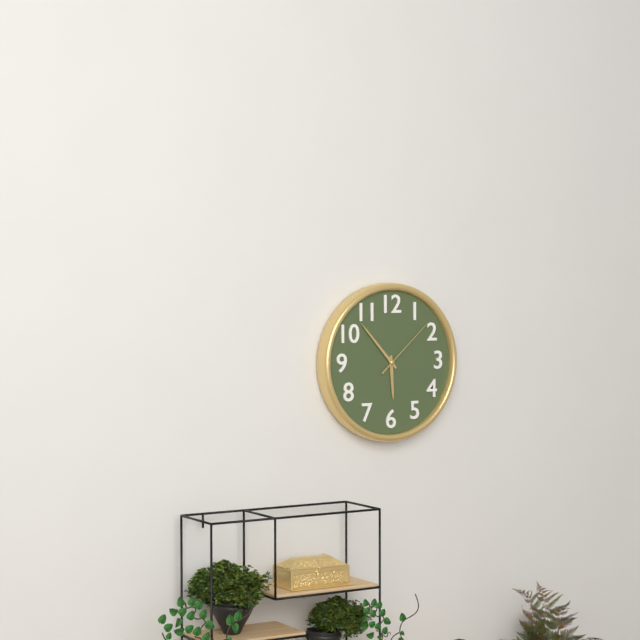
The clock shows 5 h 53 min 08 s
